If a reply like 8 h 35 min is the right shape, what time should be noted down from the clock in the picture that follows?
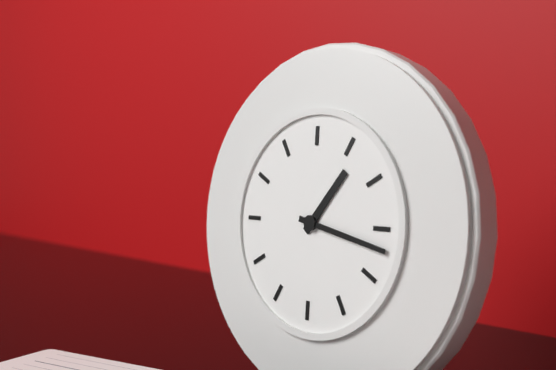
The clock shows 1 h 17 min
